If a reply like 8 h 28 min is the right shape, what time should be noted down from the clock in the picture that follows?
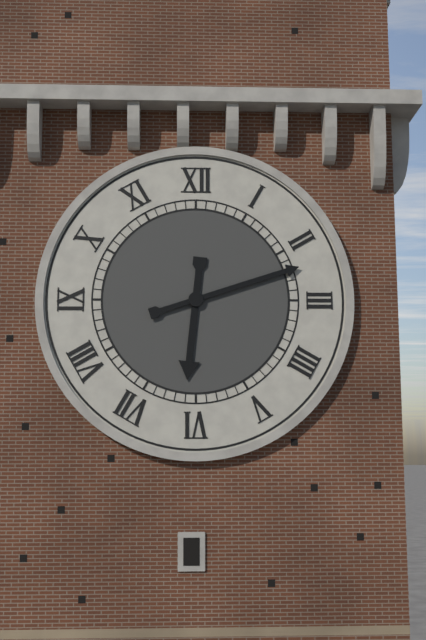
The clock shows 6 h 12 min
